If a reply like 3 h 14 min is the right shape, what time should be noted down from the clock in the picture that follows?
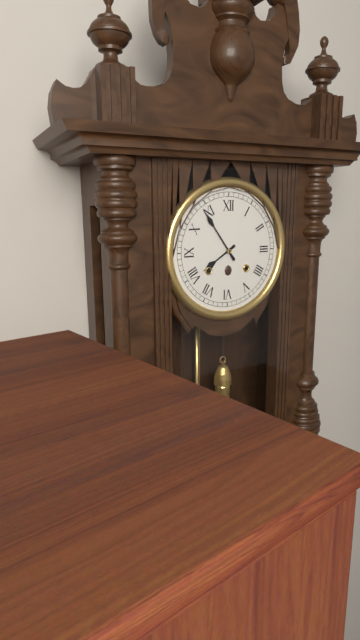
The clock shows 7 h 54 min
